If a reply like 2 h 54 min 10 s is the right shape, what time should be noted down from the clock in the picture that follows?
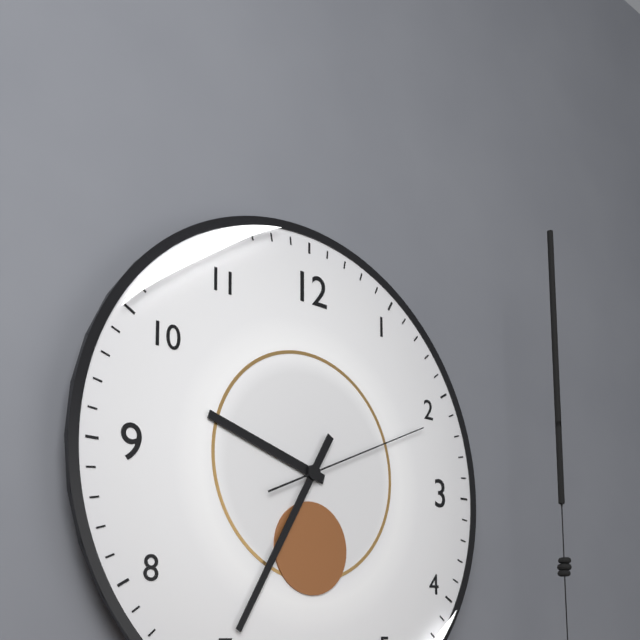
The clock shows 9 h 35 min 11 s
